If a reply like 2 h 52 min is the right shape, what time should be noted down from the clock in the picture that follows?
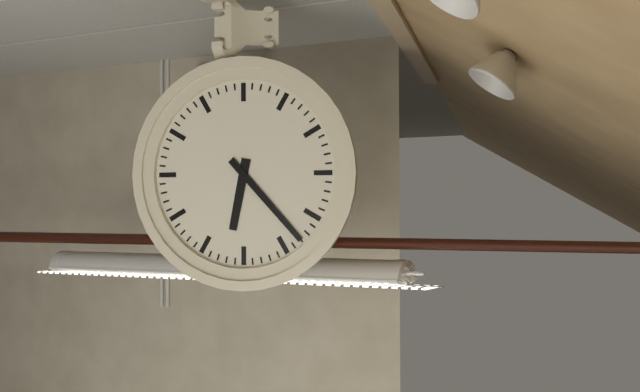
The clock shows 6 h 23 min
